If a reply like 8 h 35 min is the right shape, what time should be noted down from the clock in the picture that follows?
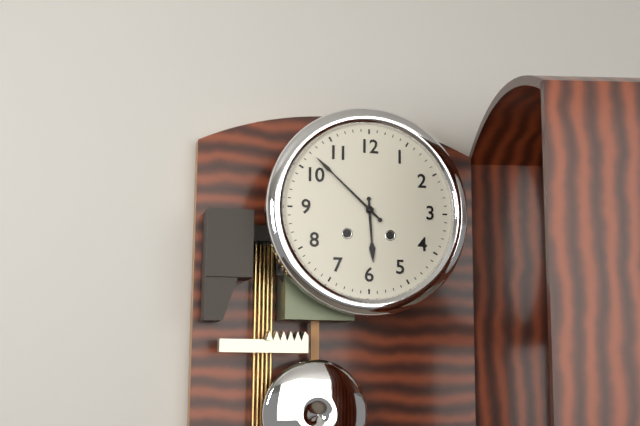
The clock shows 5 h 52 min
